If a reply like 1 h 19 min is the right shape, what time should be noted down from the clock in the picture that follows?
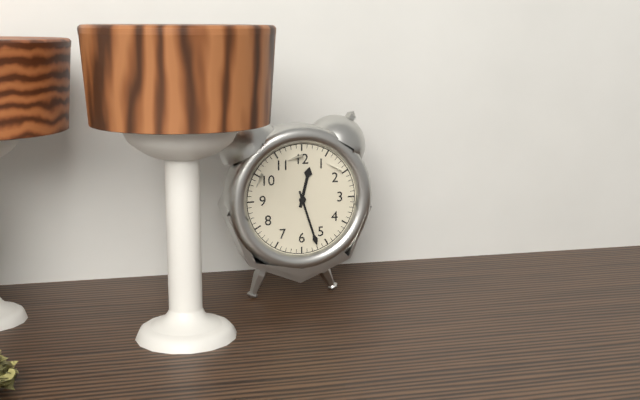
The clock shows 12 h 27 min
